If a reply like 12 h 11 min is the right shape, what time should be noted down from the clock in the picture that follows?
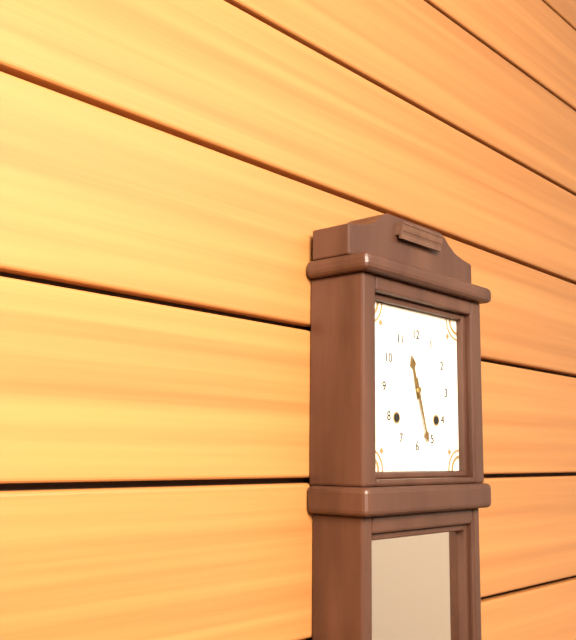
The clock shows 11 h 27 min
